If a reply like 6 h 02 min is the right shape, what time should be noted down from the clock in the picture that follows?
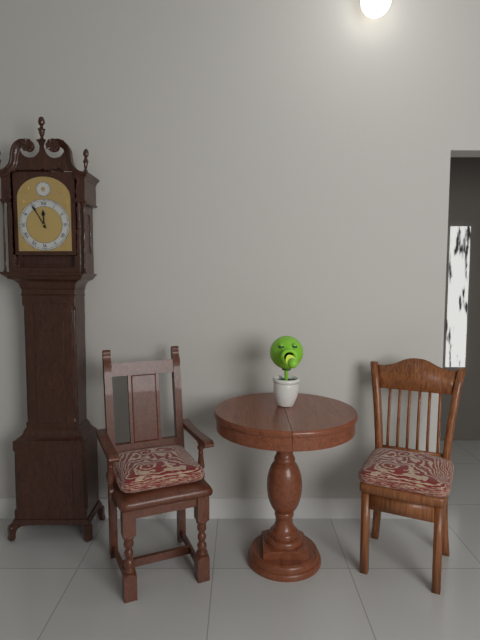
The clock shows 11 h 55 min
